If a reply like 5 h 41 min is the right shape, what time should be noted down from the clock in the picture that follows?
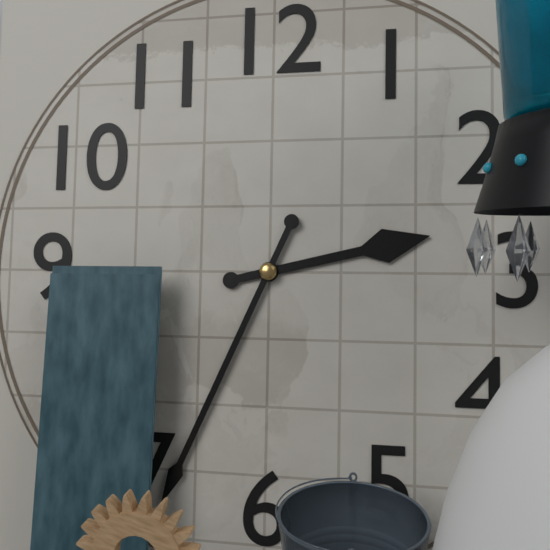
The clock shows 2 h 34 min
